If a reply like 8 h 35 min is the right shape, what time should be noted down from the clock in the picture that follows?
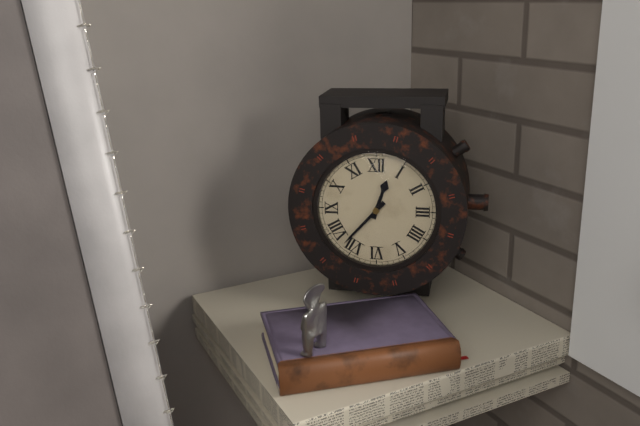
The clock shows 12 h 37 min
